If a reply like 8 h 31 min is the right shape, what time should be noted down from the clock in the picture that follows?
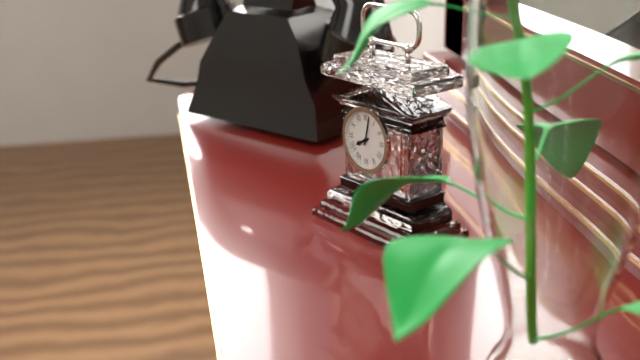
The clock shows 8 h 02 min
